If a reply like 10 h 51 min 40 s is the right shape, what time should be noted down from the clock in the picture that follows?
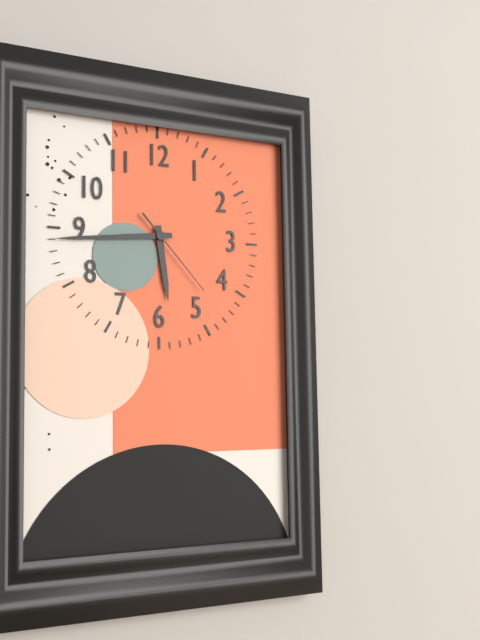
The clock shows 5 h 44 min 23 s
